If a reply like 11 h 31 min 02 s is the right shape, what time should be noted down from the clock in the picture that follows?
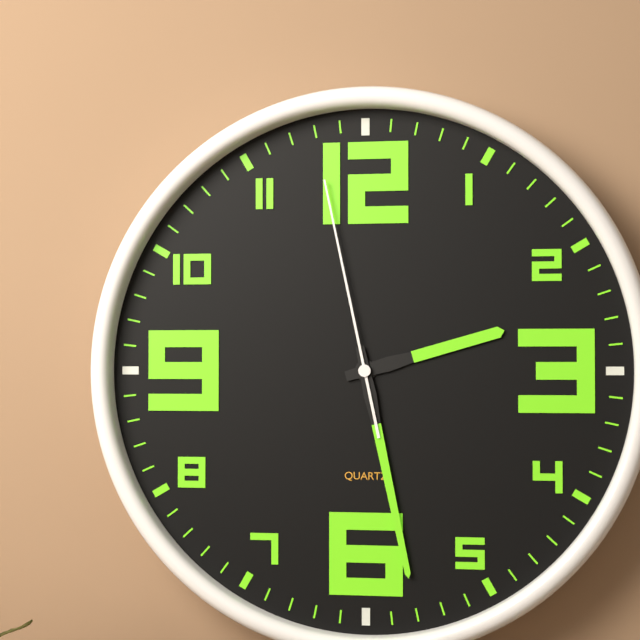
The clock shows 2 h 28 min 58 s
